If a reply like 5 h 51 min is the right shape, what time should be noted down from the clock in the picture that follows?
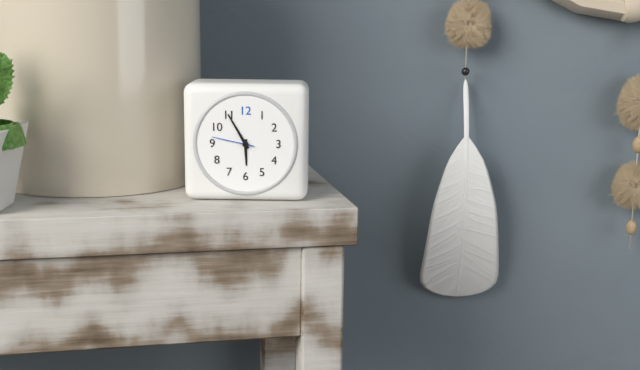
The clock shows 5 h 55 min
